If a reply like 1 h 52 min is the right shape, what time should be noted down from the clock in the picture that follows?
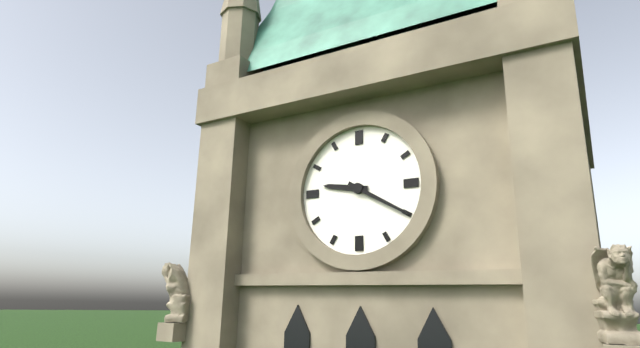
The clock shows 9 h 20 min
